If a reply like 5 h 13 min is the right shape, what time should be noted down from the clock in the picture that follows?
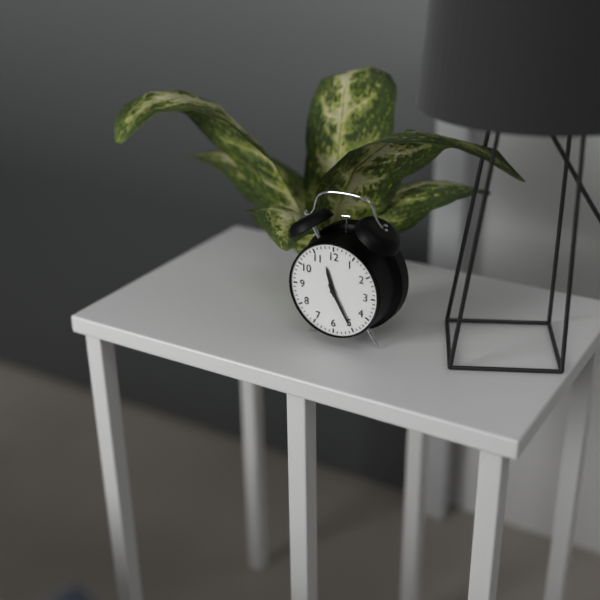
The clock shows 11 h 25 min
